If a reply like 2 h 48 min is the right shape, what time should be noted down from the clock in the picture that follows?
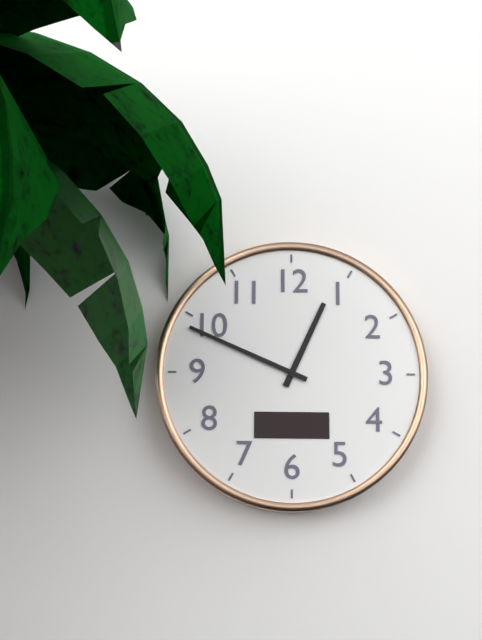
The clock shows 12 h 49 min
